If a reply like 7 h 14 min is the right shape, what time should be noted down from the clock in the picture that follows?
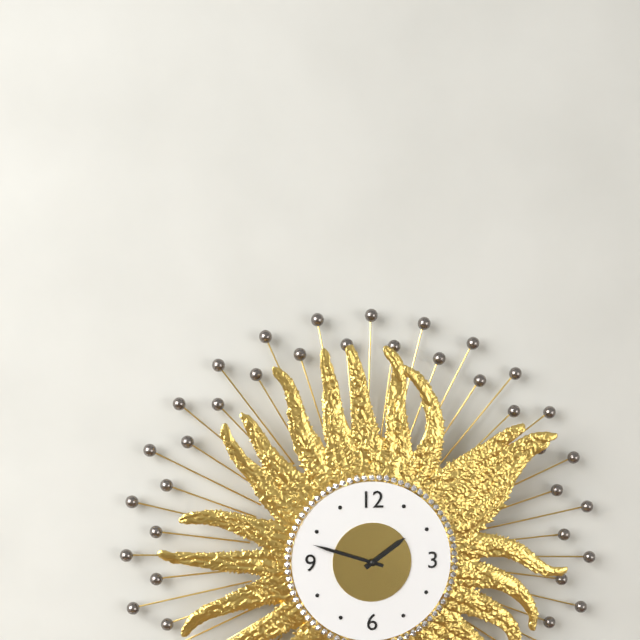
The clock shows 1 h 48 min
